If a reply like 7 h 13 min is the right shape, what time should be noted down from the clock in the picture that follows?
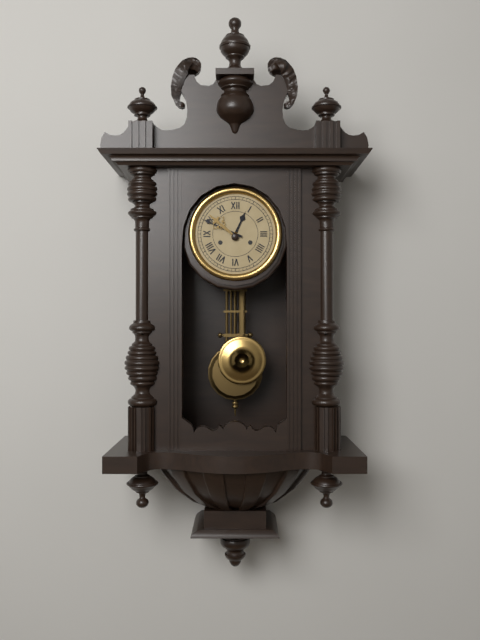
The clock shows 12 h 49 min
